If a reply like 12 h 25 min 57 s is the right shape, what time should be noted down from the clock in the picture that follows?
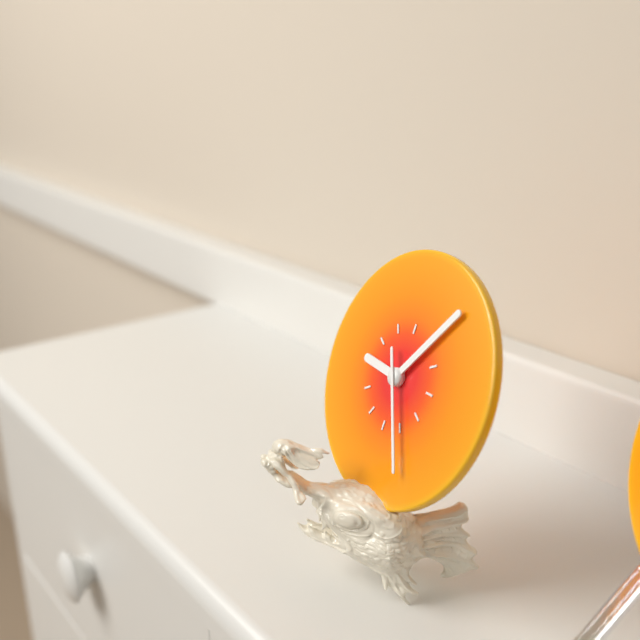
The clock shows 9 h 06 min 25 s
